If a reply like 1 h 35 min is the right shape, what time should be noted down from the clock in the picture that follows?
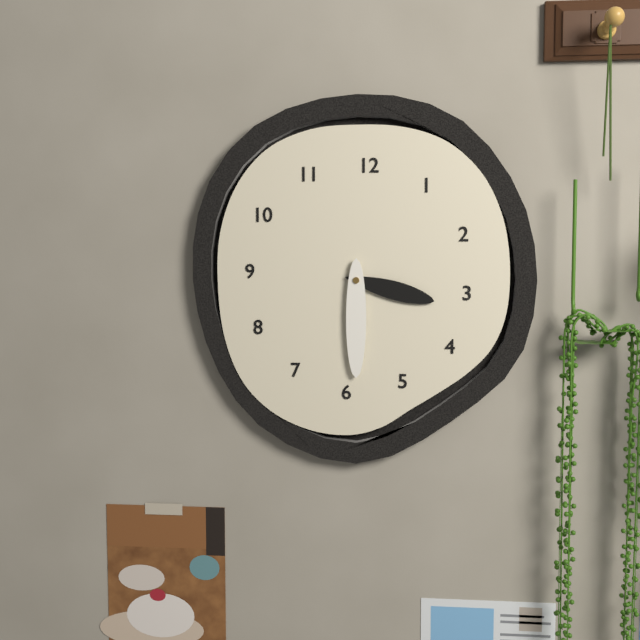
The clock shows 3 h 30 min
